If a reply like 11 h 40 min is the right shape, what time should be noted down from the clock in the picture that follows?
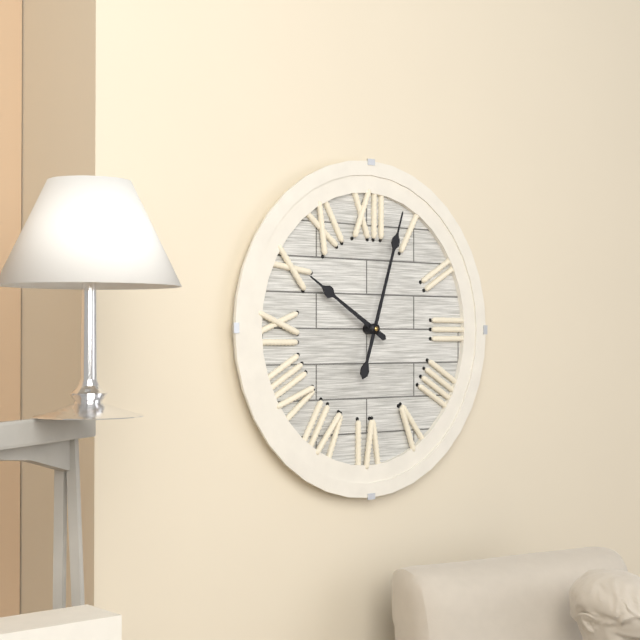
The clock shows 10 h 03 min
